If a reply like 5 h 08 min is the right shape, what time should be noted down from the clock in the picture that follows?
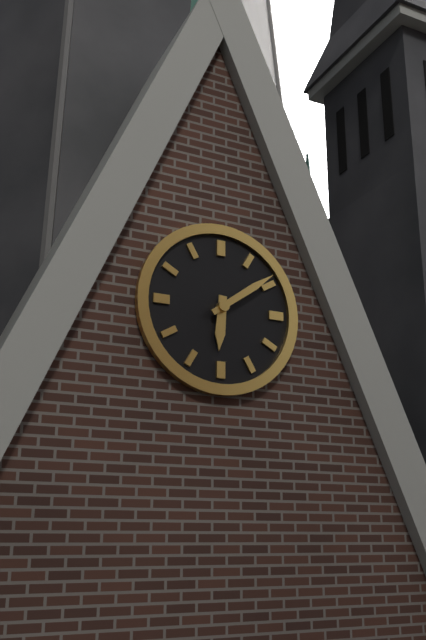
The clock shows 6 h 09 min
